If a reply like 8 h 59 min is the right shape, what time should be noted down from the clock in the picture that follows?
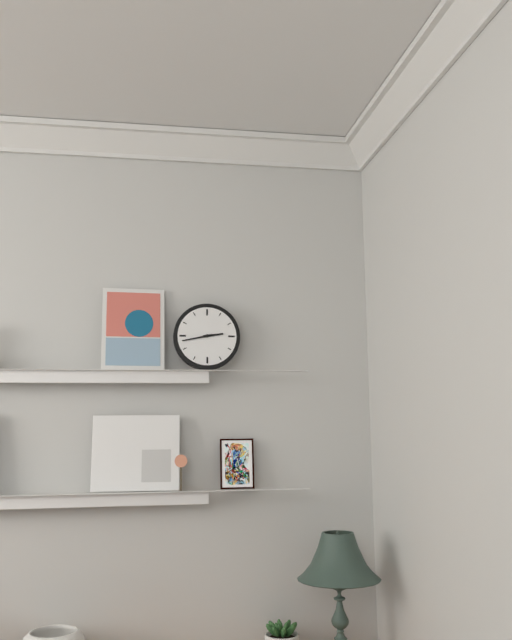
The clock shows 2 h 43 min
